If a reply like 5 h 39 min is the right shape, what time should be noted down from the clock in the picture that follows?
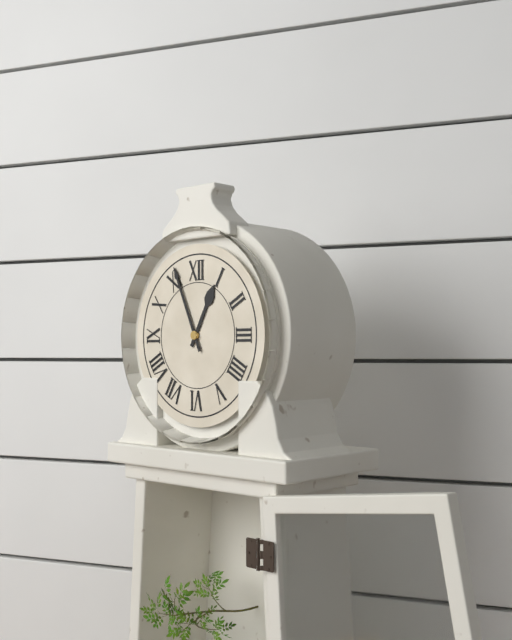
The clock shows 12 h 56 min
